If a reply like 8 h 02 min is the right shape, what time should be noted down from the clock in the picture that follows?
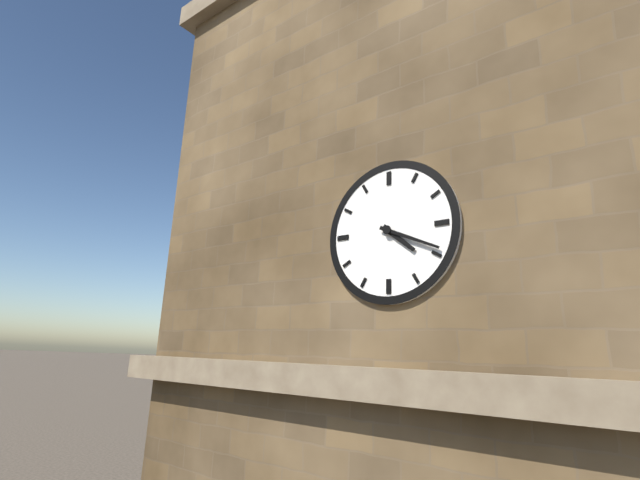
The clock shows 4 h 19 min
